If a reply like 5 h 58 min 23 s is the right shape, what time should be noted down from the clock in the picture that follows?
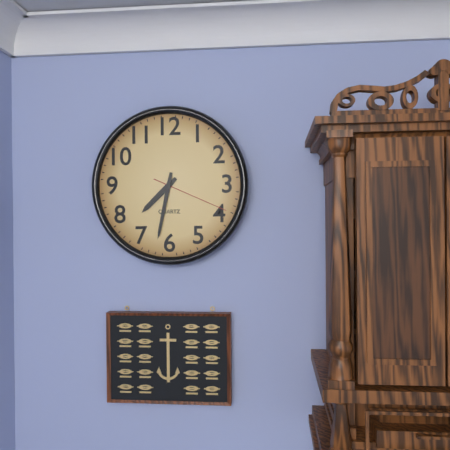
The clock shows 7 h 32 min 19 s
